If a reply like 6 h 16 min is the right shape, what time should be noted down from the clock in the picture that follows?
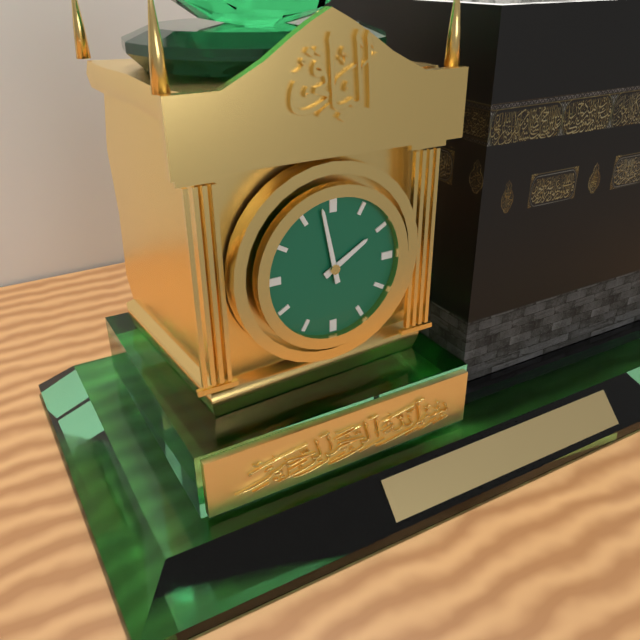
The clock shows 1 h 58 min
